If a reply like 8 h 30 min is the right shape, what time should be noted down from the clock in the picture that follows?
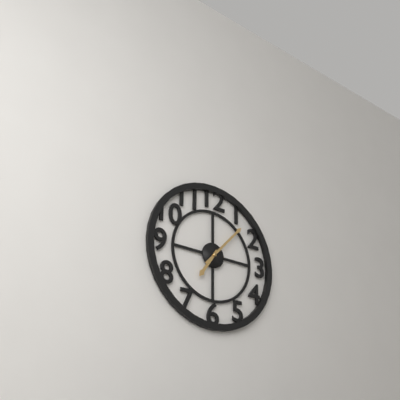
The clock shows 7 h 07 min
